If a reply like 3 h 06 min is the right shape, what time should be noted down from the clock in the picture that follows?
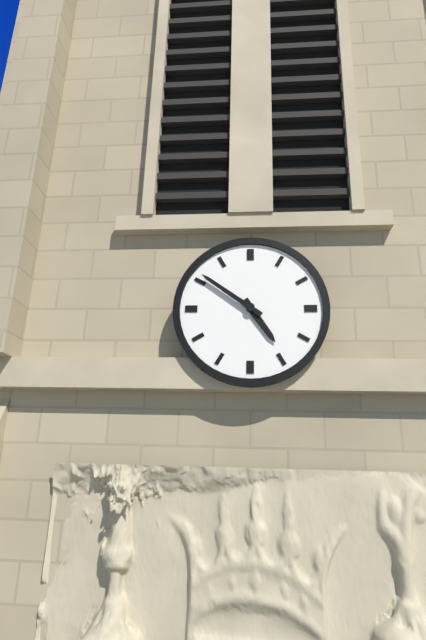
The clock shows 4 h 51 min
